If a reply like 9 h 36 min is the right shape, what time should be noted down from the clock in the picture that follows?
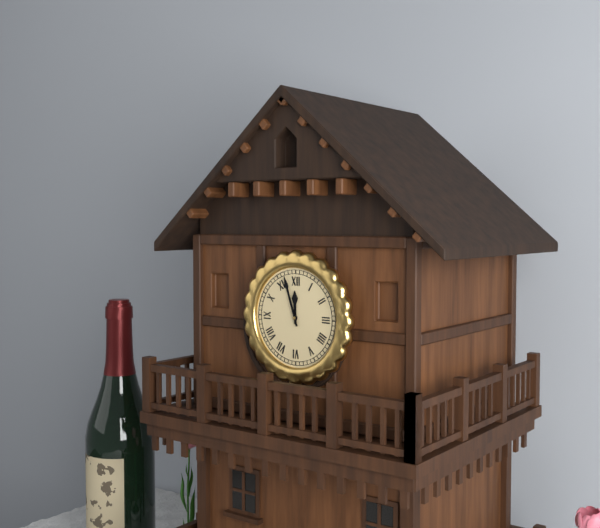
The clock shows 11 h 57 min
